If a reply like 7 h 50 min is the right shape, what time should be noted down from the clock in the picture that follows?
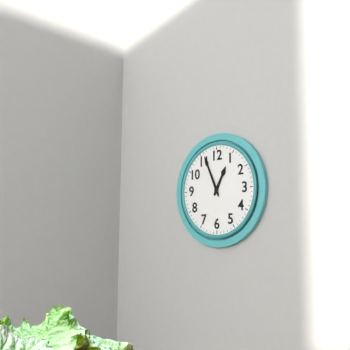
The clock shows 12 h 56 min
